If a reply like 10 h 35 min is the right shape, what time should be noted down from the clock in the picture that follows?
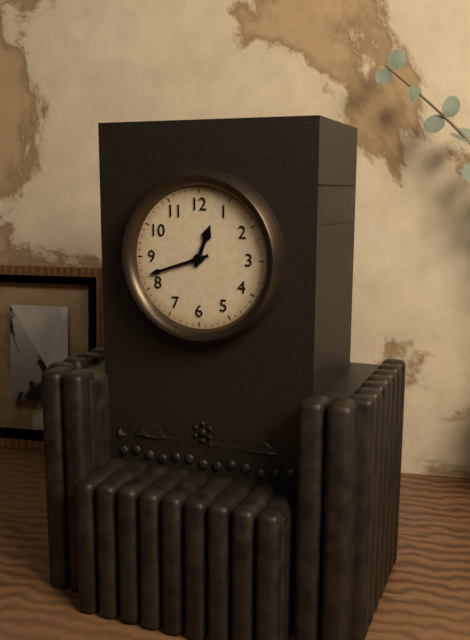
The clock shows 12 h 42 min
